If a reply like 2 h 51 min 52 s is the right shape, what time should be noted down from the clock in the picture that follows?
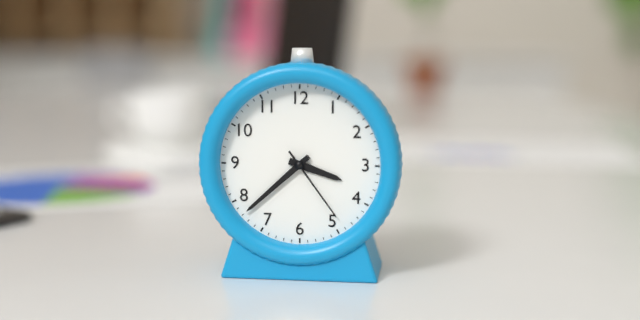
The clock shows 3 h 38 min 24 s
